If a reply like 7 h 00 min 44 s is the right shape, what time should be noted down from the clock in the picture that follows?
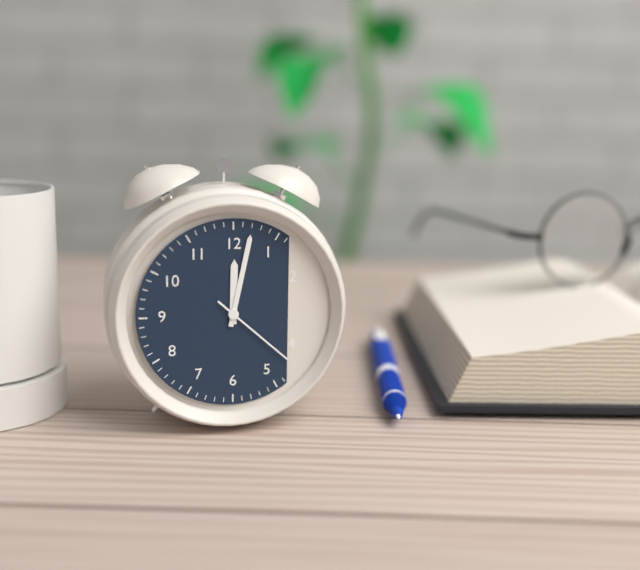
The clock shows 12 h 02 min 22 s
